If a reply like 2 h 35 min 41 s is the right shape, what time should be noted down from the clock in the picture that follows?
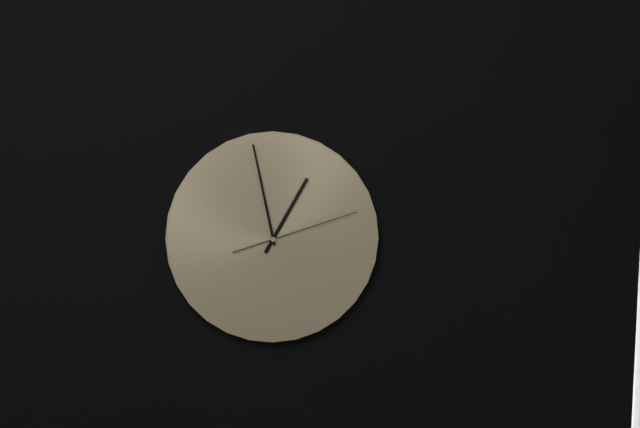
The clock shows 12 h 58 min 12 s
